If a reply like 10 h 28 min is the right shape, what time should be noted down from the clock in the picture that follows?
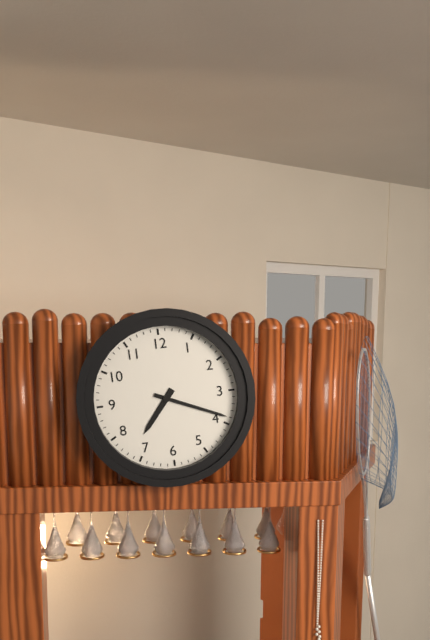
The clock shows 7 h 19 min
